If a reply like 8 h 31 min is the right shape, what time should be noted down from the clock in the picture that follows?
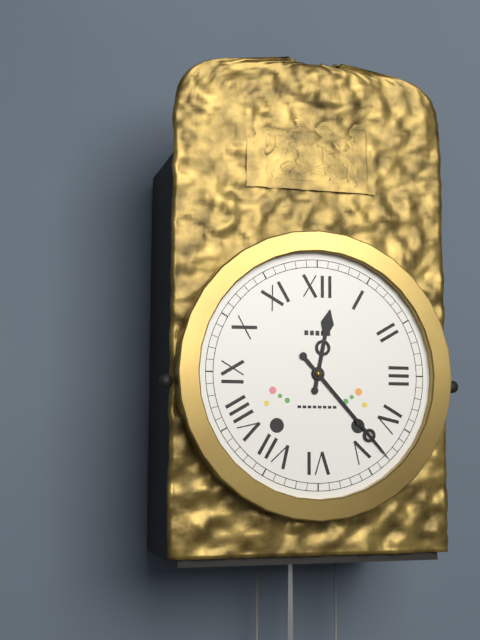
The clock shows 12 h 23 min
